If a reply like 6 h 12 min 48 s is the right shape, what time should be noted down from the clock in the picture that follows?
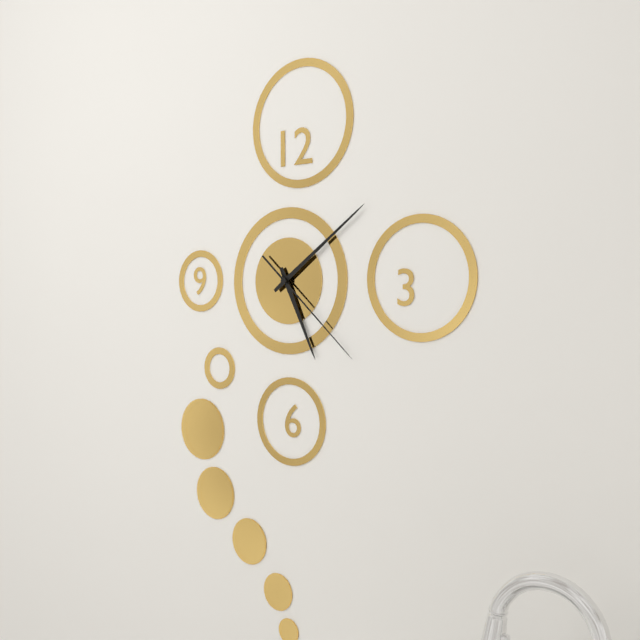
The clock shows 5 h 09 min 22 s
